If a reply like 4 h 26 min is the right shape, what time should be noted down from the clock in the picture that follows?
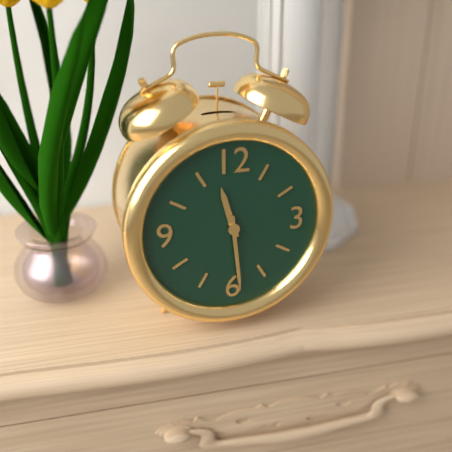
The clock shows 11 h 29 min
